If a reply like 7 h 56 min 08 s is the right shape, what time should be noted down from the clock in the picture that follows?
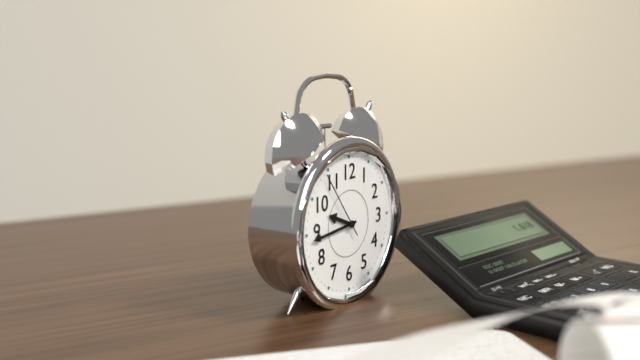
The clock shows 9 h 44 min 54 s
